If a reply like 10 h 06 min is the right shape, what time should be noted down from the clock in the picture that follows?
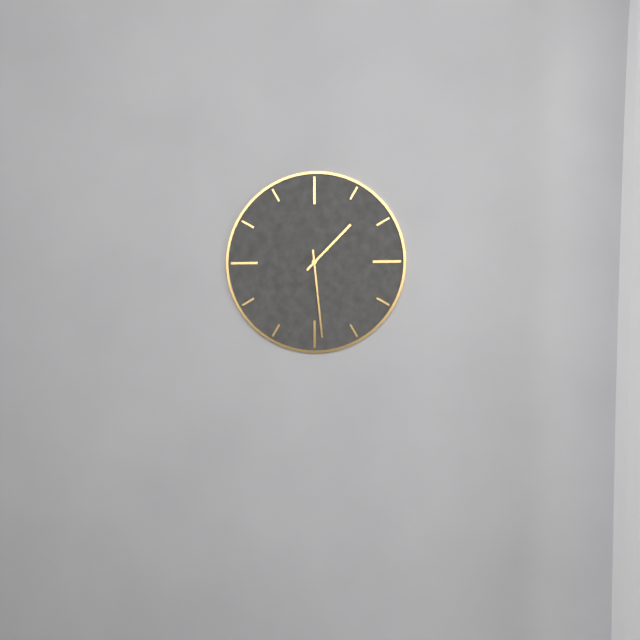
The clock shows 1 h 29 min
